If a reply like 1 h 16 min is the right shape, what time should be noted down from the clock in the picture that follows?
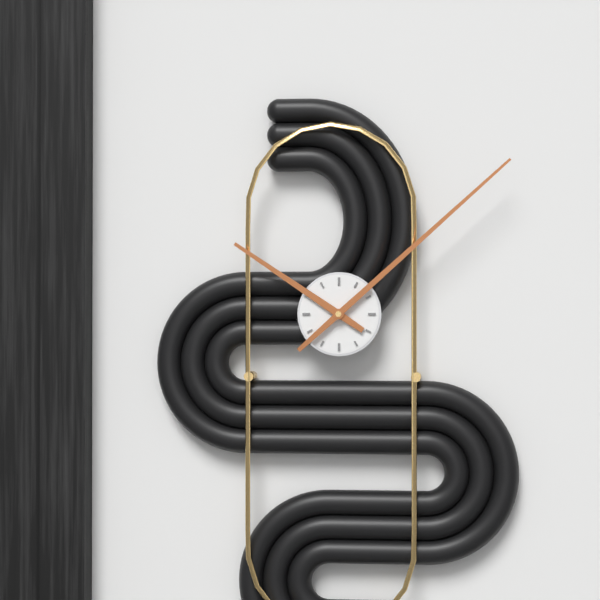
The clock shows 10 h 08 min
